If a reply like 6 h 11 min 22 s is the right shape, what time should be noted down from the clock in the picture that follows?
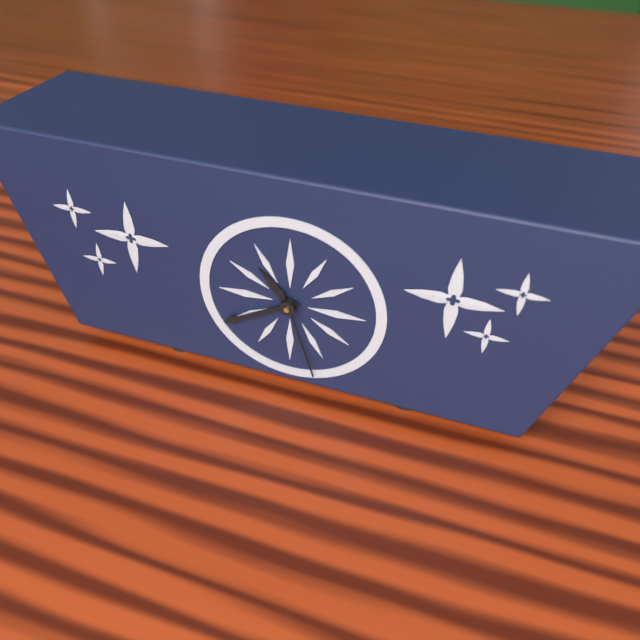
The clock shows 10 h 40 min 27 s
